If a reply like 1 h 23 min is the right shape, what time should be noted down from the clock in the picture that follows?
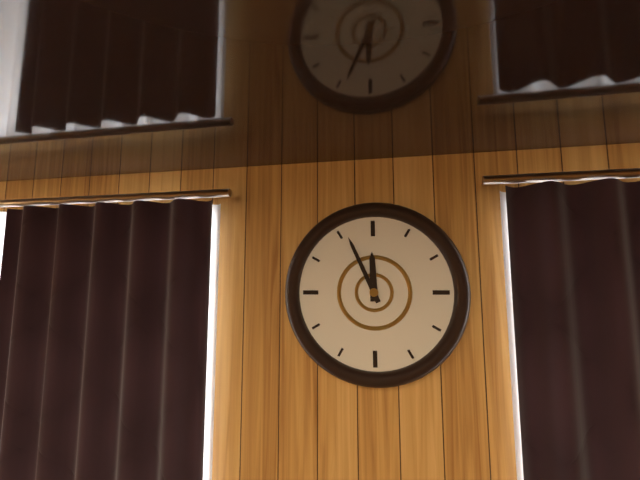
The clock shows 11 h 56 min
